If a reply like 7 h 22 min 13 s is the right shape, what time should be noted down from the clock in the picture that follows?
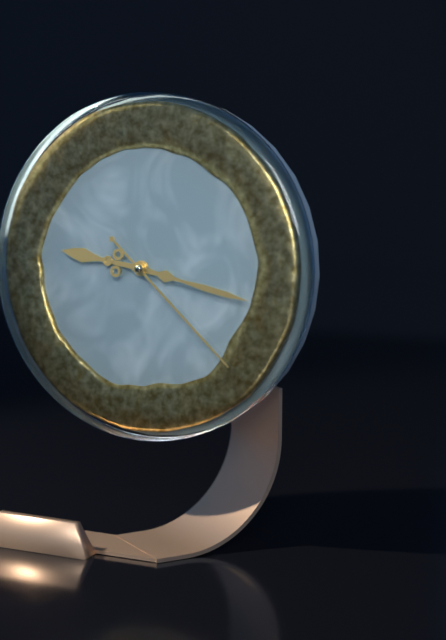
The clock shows 9 h 17 min 22 s
